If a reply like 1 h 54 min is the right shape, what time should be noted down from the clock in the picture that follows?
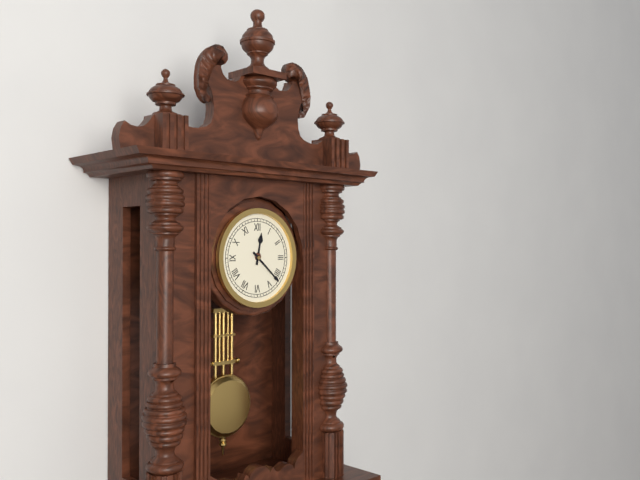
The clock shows 12 h 22 min
